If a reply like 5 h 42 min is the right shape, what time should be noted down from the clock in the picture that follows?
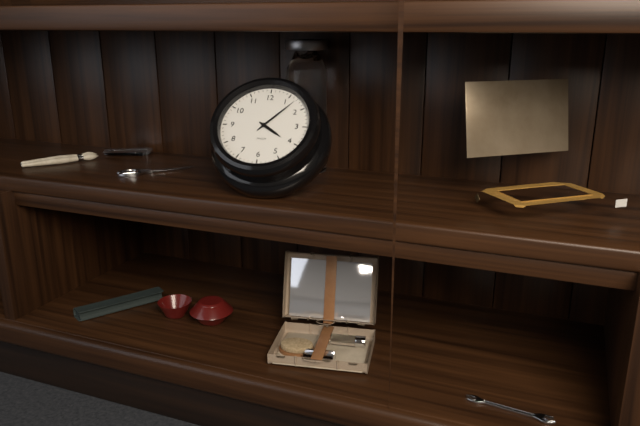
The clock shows 4 h 07 min
